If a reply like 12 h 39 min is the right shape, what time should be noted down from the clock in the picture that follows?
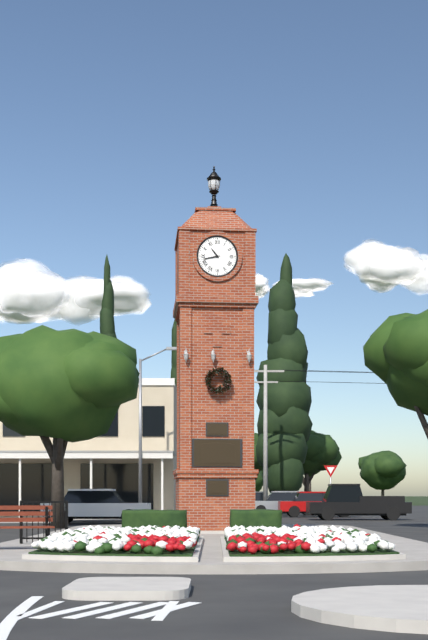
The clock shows 10 h 43 min
